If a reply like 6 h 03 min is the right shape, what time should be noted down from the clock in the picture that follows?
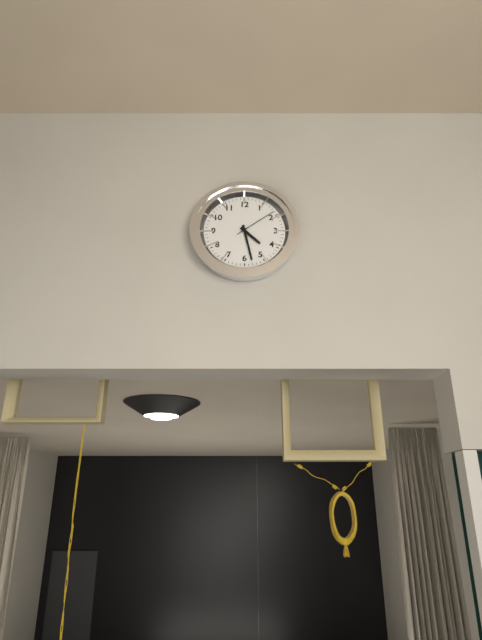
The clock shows 4 h 28 min
